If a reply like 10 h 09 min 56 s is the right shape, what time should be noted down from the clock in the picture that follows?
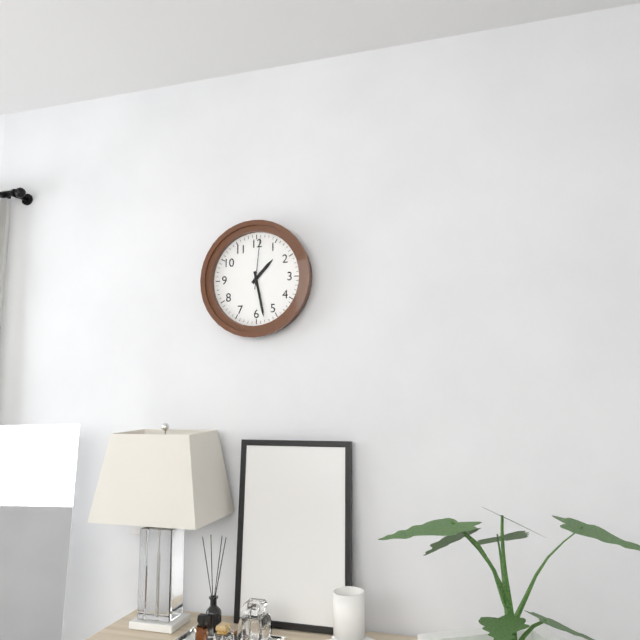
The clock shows 1 h 28 min 01 s
